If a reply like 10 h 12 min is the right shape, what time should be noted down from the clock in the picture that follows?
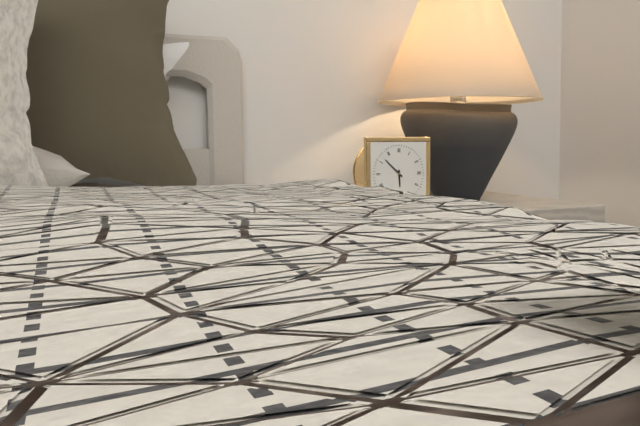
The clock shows 5 h 52 min
